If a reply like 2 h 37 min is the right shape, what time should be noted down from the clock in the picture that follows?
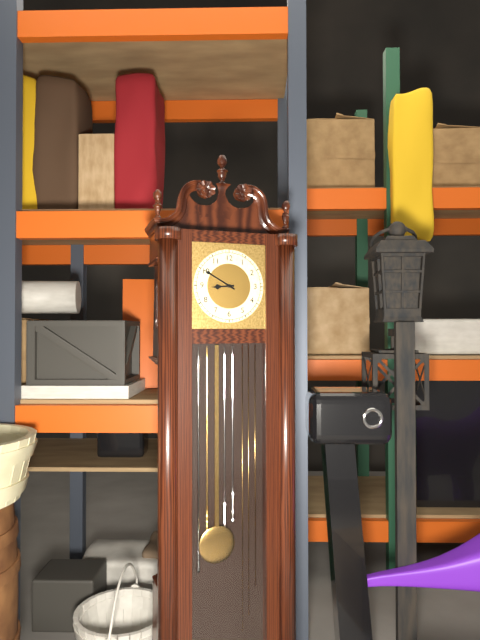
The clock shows 8 h 50 min
